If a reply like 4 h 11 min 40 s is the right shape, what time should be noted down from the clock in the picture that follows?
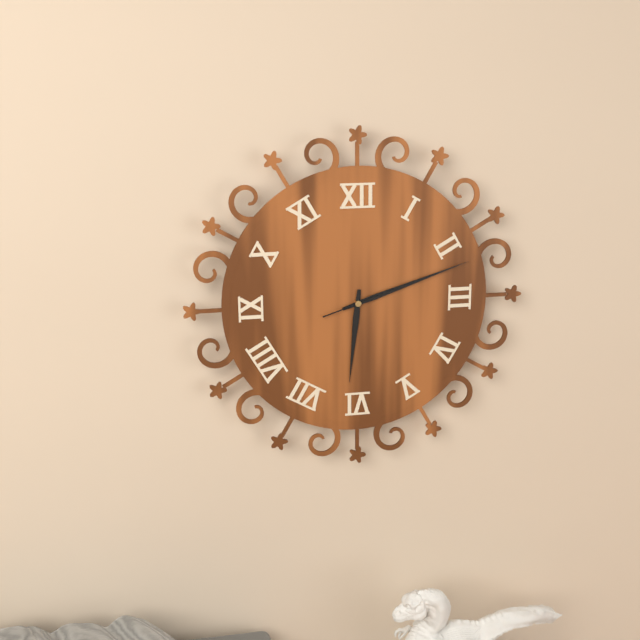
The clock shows 6 h 12 min 12 s
